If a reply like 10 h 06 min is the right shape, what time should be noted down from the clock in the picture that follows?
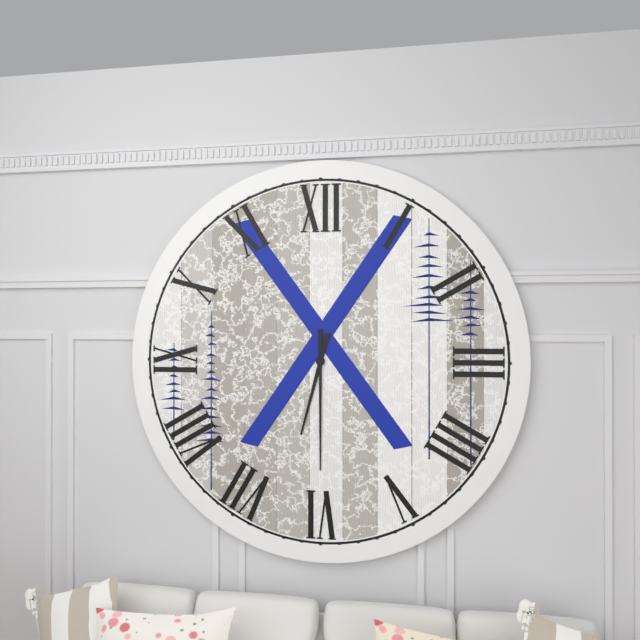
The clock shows 6 h 30 min
